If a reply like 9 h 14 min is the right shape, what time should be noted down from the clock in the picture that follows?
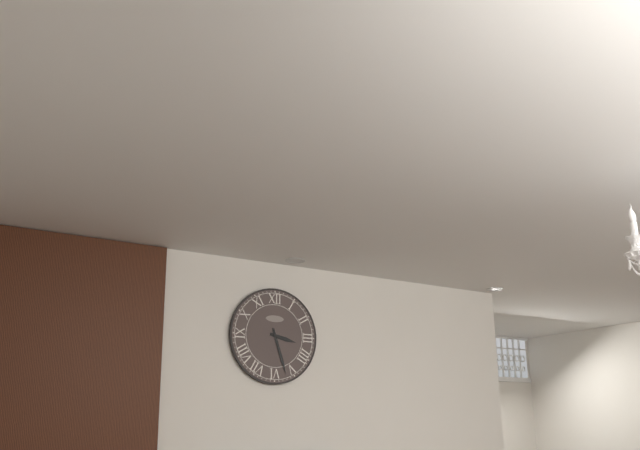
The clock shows 3 h 27 min
